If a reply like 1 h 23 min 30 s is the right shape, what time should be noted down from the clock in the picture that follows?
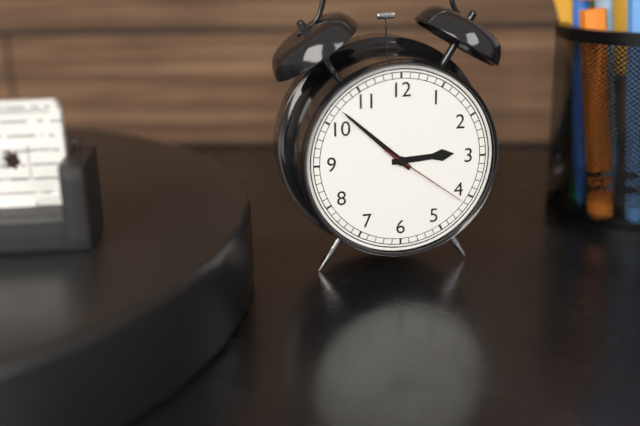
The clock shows 2 h 52 min 21 s
